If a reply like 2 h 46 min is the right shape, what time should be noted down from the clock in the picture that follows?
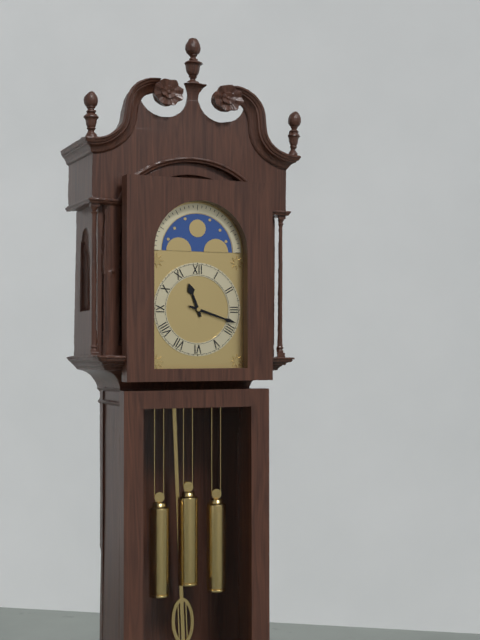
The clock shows 11 h 18 min
